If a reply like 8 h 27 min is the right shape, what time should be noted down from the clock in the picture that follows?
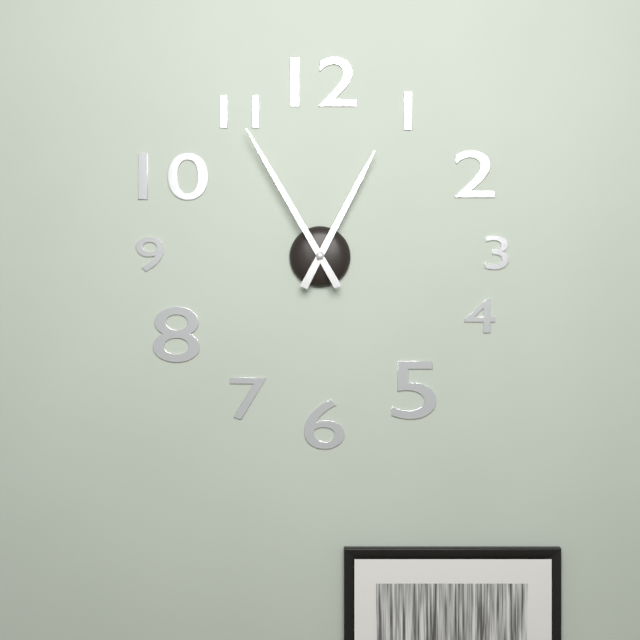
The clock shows 12 h 55 min
